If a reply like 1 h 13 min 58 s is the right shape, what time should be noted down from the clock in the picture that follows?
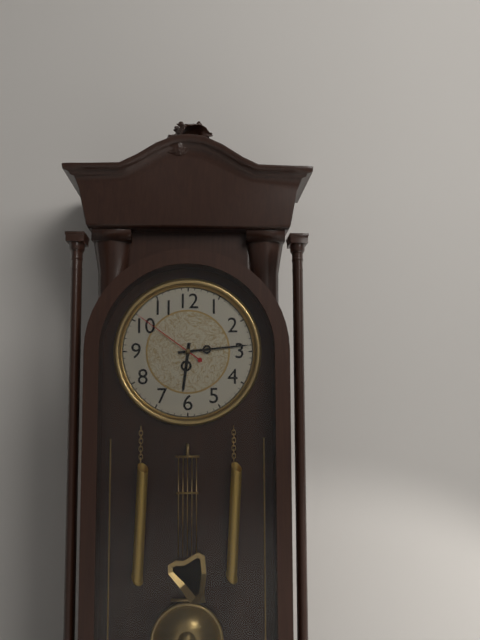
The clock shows 6 h 14 min 51 s
